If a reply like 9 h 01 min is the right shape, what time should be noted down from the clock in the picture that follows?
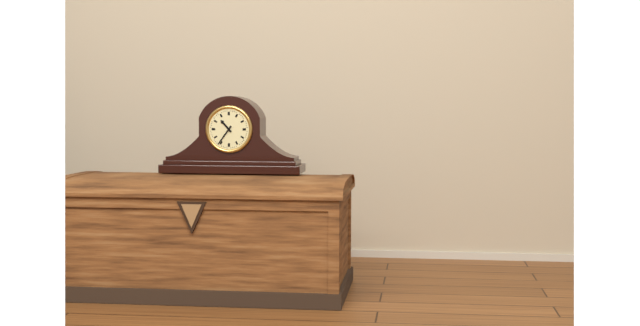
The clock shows 10 h 36 min
